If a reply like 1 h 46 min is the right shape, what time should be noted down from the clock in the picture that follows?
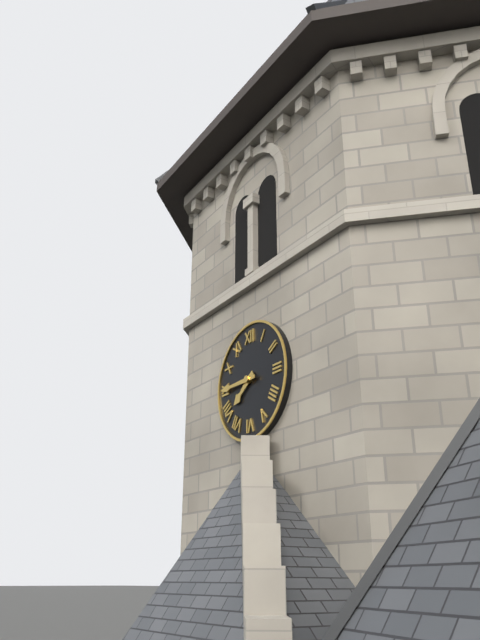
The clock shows 7 h 45 min
